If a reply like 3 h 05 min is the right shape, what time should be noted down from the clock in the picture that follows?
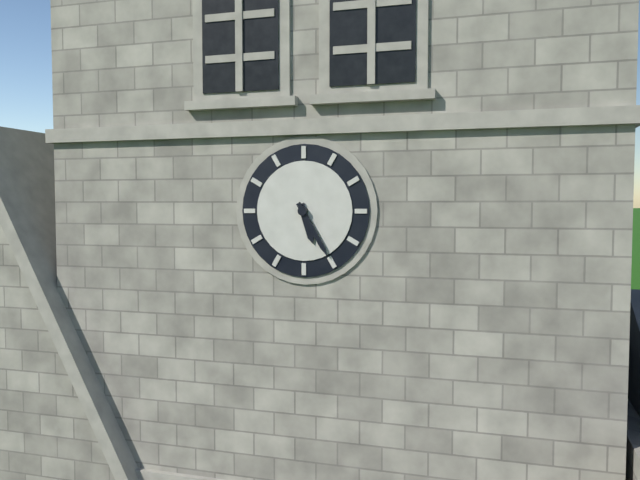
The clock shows 5 h 25 min
